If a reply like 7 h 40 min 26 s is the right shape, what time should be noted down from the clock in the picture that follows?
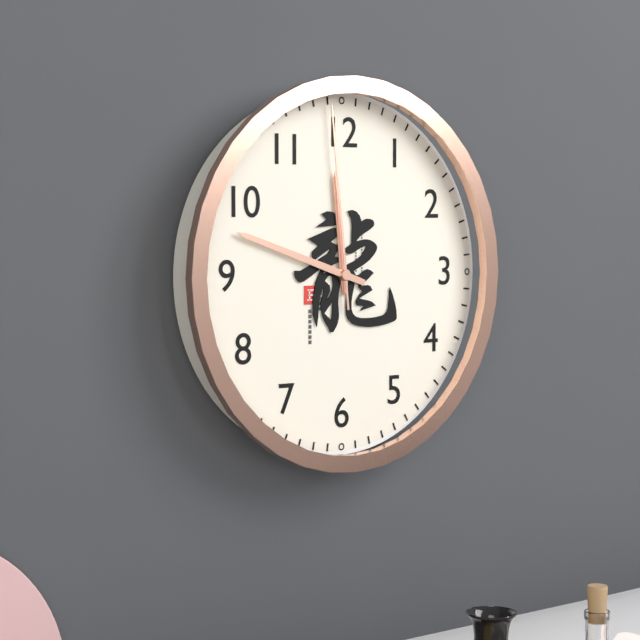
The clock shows 11 h 48 min 59 s
